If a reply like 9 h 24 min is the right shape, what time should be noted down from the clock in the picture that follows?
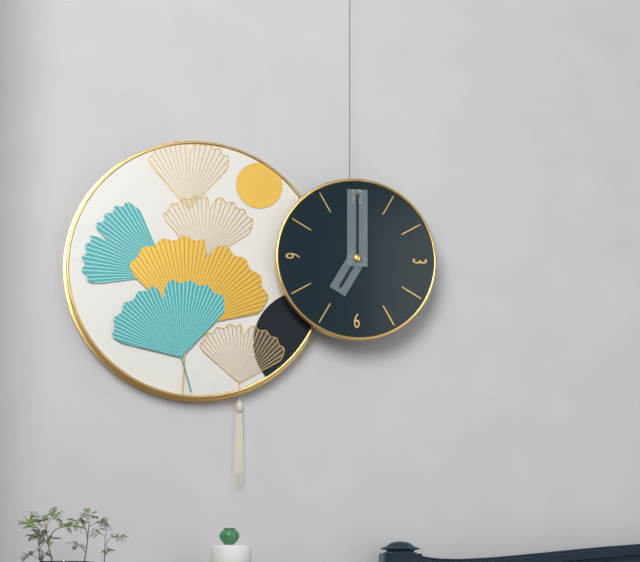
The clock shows 7 h 00 min
